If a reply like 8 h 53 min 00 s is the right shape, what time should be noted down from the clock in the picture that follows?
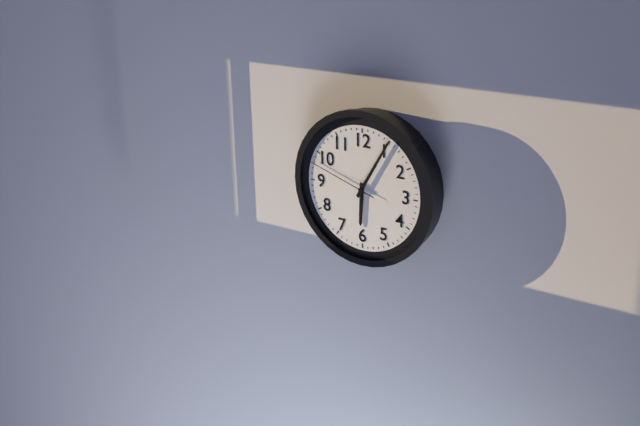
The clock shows 6 h 05 min 48 s
